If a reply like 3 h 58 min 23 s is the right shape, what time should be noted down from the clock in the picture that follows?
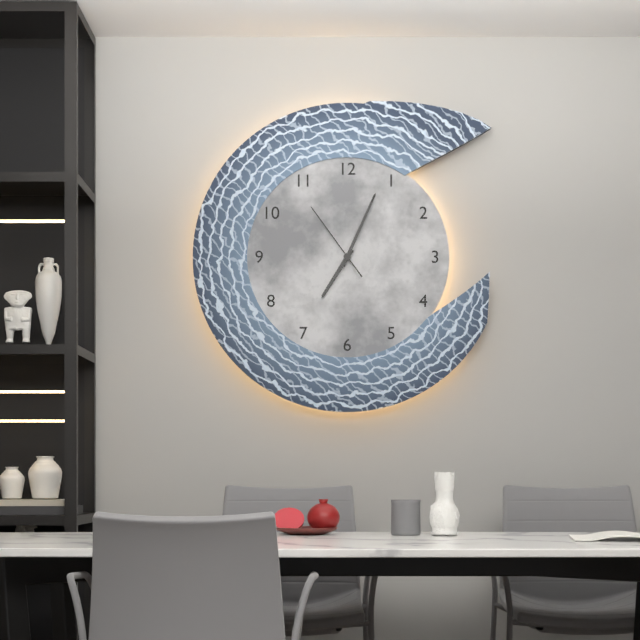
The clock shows 7 h 04 min 54 s
